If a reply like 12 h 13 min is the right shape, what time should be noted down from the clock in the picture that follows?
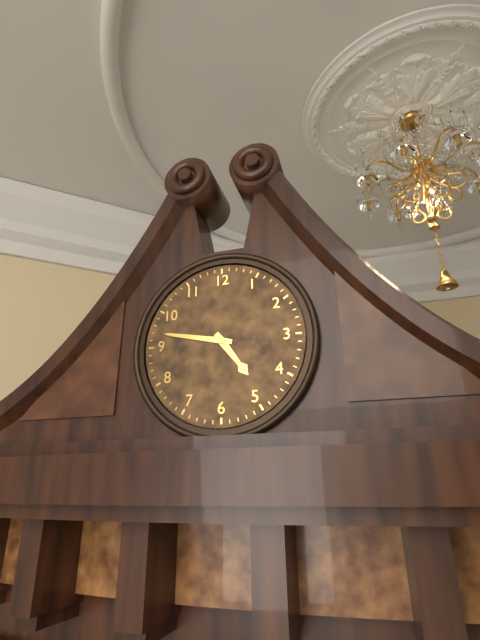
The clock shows 4 h 47 min
